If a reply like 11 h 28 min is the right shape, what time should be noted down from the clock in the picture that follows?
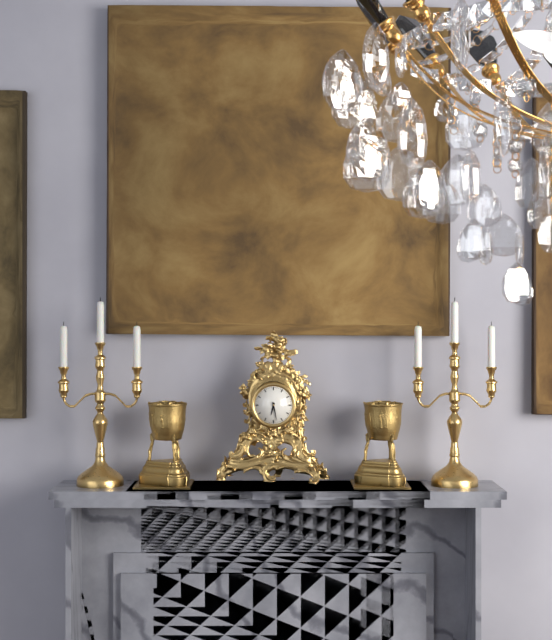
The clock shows 6 h 28 min
